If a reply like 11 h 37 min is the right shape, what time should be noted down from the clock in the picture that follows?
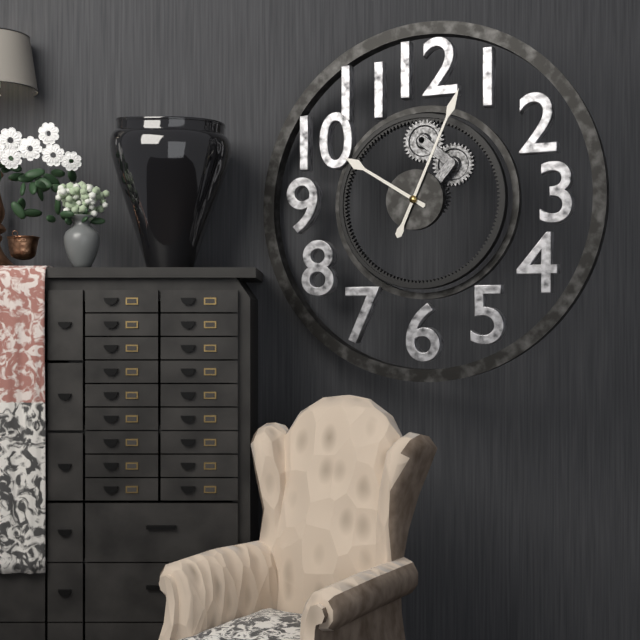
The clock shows 10 h 04 min
